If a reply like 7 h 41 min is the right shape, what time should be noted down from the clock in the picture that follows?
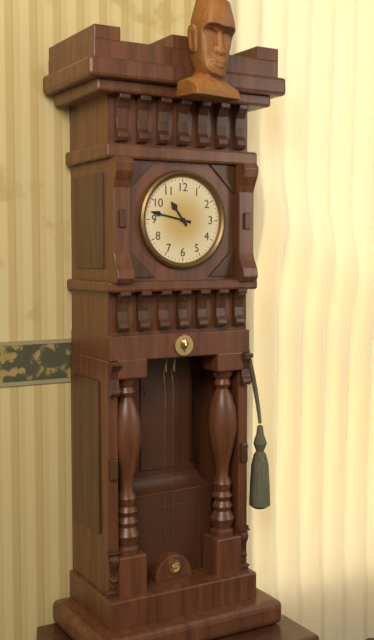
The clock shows 10 h 47 min
